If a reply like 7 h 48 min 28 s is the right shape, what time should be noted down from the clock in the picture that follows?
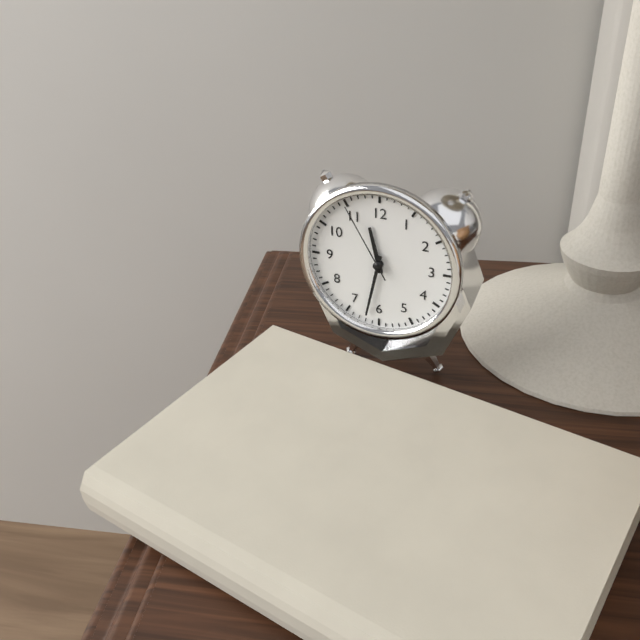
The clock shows 11 h 32 min 55 s
